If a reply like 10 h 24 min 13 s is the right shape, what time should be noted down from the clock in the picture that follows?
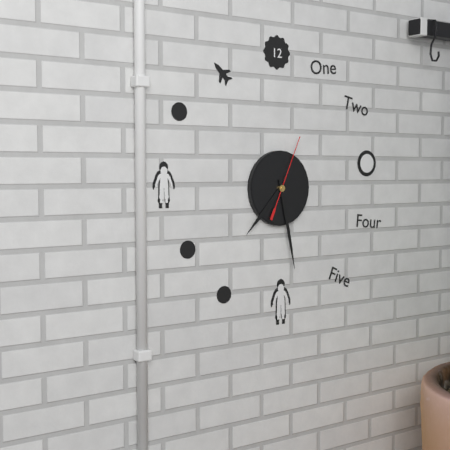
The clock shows 7 h 28 min 04 s
